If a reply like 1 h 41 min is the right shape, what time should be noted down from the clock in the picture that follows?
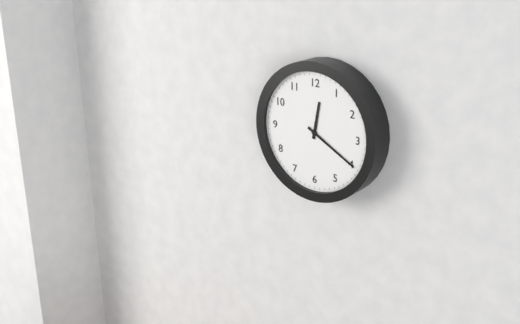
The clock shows 12 h 20 min
